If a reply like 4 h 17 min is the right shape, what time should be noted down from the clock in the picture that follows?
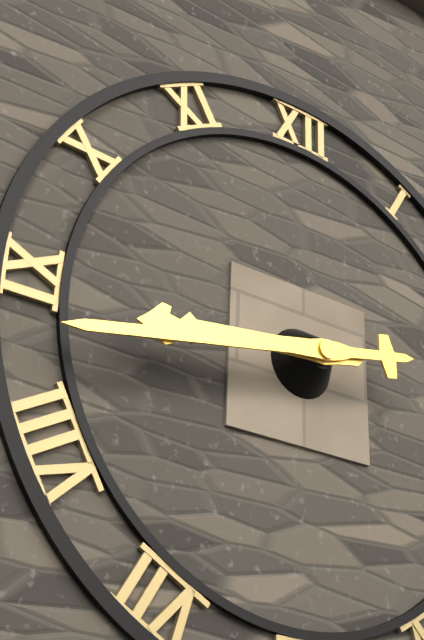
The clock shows 8 h 43 min
